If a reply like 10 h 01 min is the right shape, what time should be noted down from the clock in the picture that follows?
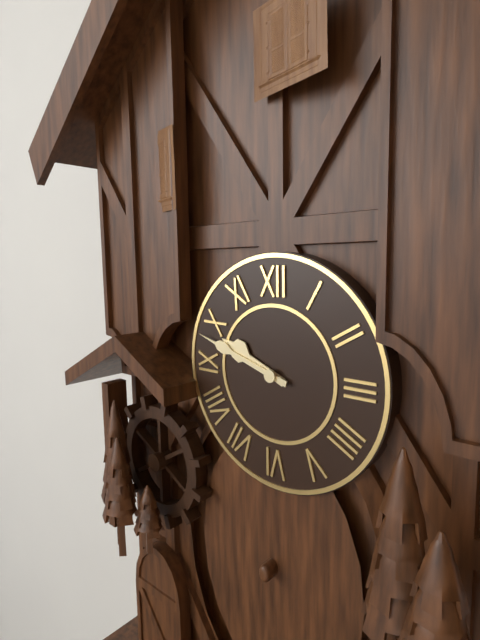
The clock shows 9 h 48 min
